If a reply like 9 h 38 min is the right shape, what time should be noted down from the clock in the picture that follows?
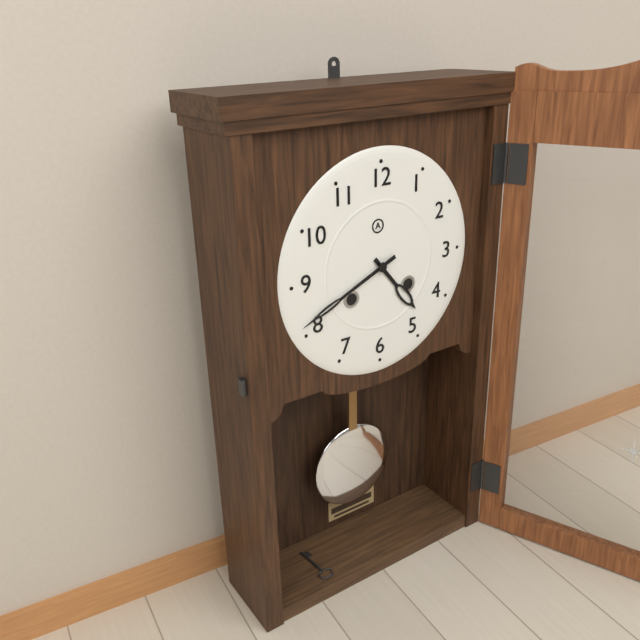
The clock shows 4 h 41 min
